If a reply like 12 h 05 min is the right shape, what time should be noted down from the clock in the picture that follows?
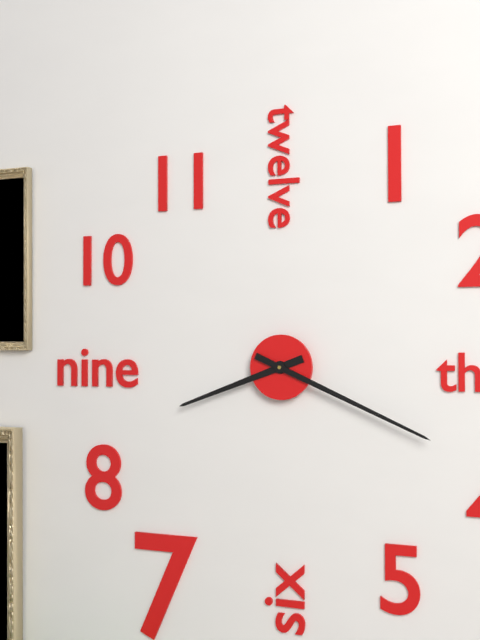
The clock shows 8 h 19 min
